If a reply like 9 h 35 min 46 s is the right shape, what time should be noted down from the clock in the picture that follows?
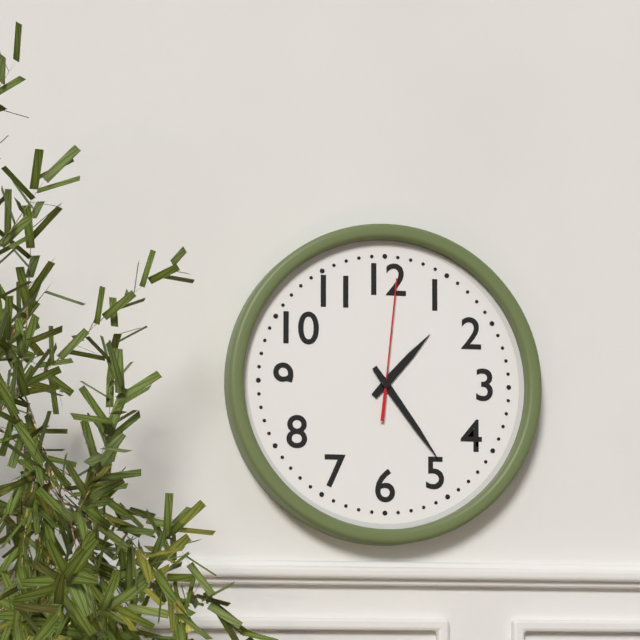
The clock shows 1 h 24 min 01 s
